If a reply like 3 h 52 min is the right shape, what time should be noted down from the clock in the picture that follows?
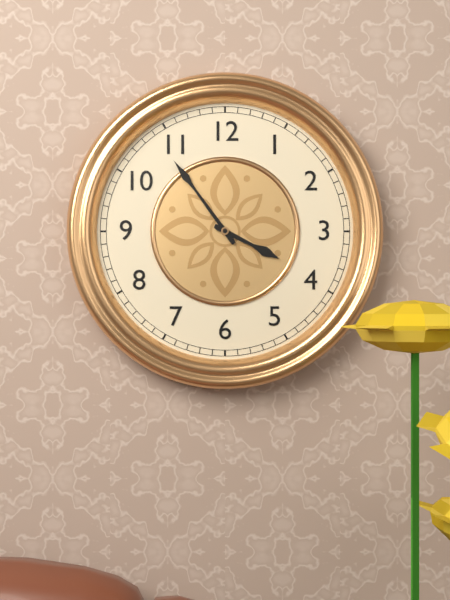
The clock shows 3 h 54 min
